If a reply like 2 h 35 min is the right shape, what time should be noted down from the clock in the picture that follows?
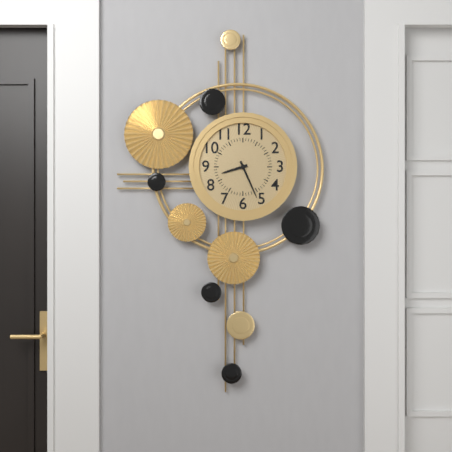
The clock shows 8 h 26 min
